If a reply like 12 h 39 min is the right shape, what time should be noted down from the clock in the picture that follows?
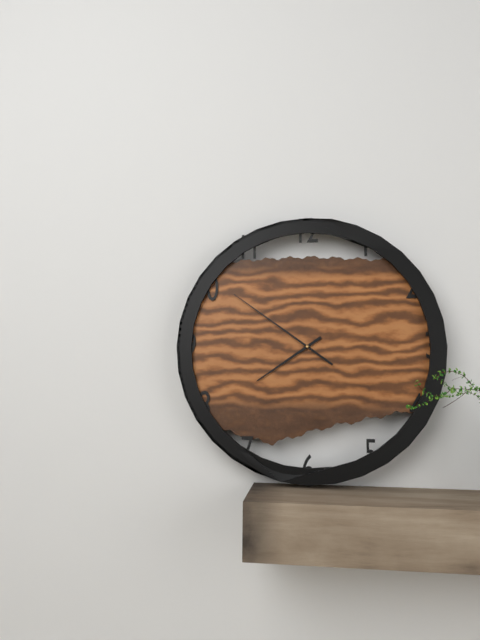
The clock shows 7 h 51 min
